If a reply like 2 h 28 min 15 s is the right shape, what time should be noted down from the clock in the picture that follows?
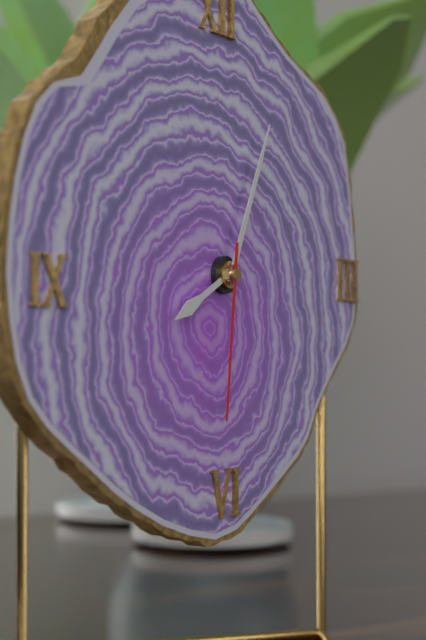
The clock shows 8 h 04 min 31 s
